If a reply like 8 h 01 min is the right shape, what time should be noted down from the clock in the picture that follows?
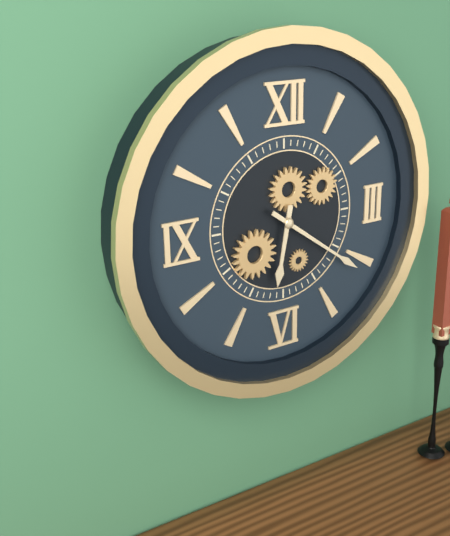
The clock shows 6 h 21 min
